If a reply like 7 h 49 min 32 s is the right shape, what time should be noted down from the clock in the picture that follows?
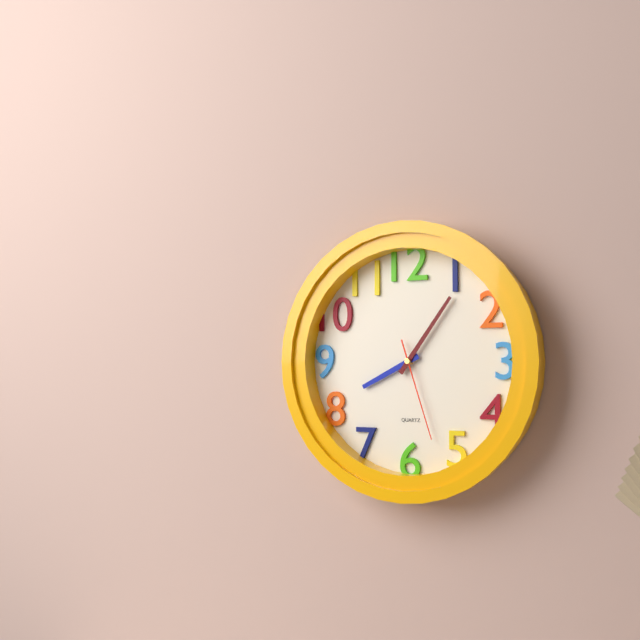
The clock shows 8 h 06 min 27 s
